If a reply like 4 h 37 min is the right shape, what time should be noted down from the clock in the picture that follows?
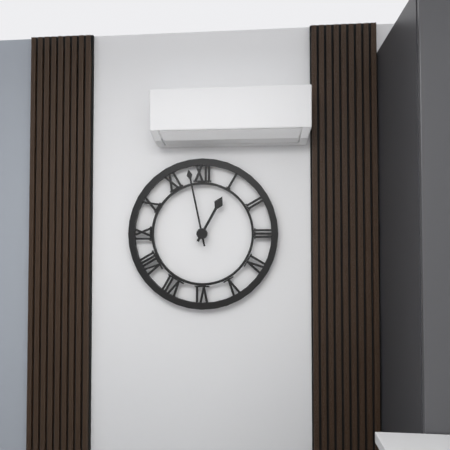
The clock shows 12 h 58 min
